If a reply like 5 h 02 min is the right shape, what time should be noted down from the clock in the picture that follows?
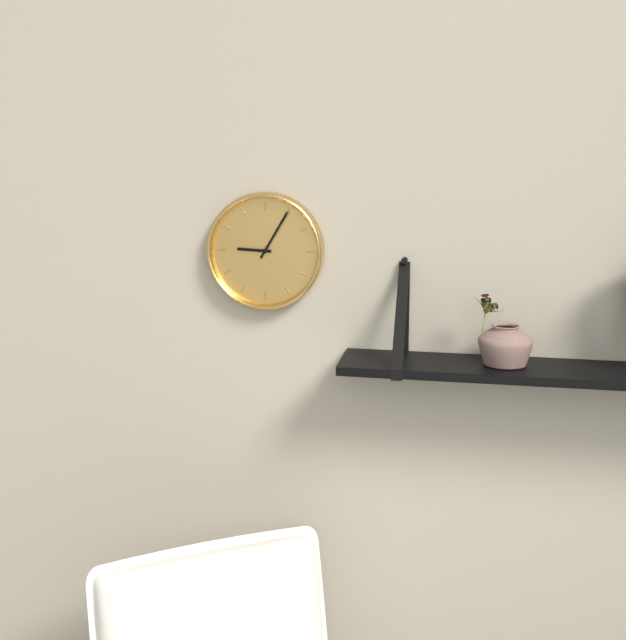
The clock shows 9 h 05 min
